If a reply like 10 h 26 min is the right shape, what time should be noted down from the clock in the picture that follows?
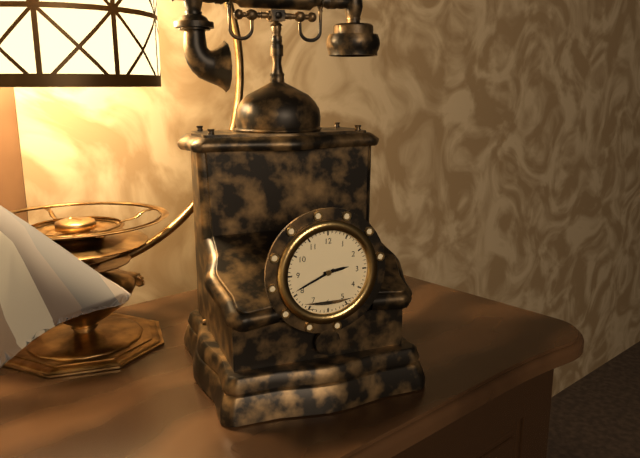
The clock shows 2 h 41 min
